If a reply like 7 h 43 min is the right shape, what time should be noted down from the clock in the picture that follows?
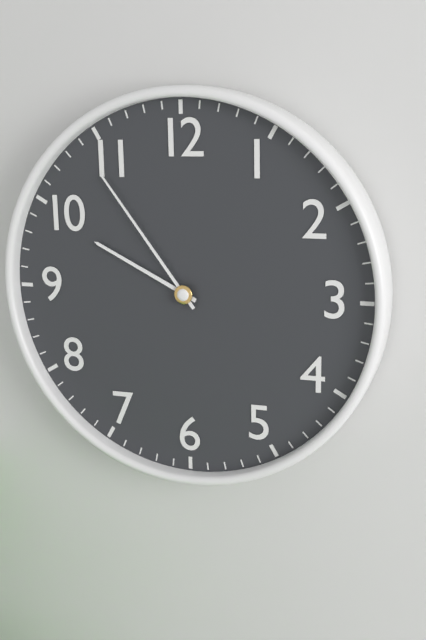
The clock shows 9 h 54 min
